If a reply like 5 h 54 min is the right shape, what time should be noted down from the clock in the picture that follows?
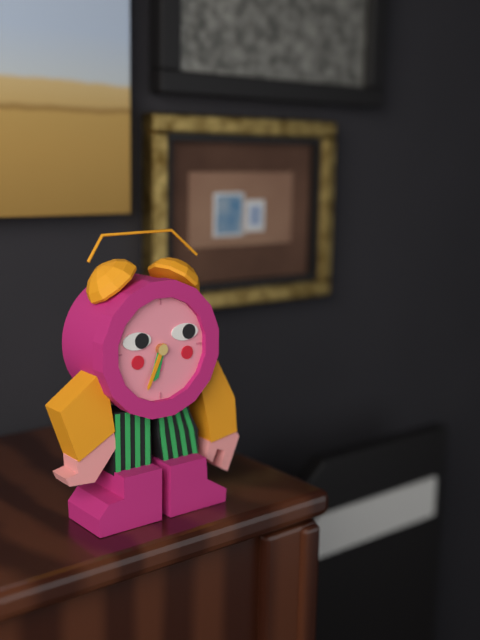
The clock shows 6 h 34 min
